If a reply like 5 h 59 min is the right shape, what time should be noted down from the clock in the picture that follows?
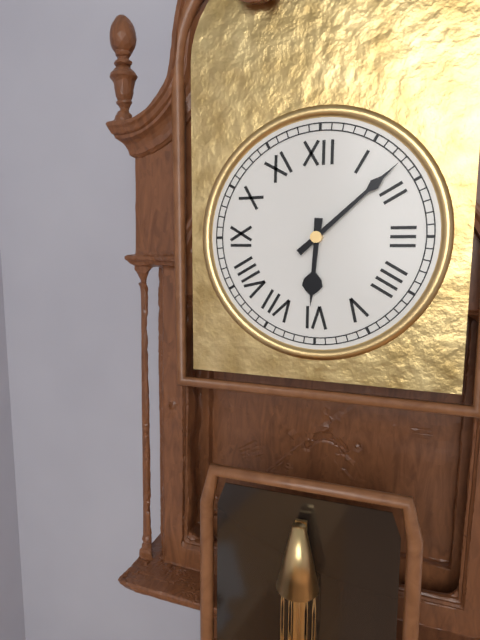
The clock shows 6 h 08 min
